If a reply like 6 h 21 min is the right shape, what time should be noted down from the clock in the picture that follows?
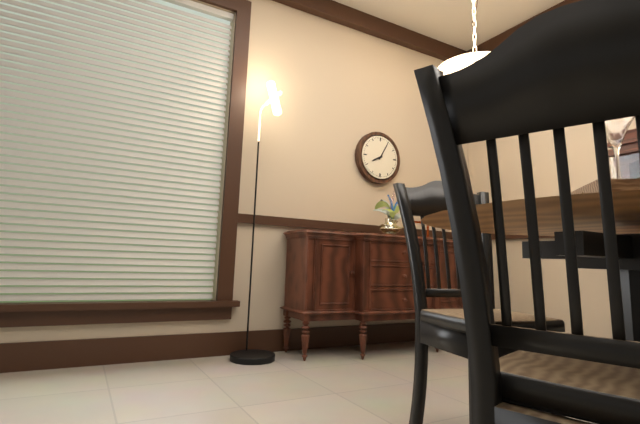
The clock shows 8 h 05 min
